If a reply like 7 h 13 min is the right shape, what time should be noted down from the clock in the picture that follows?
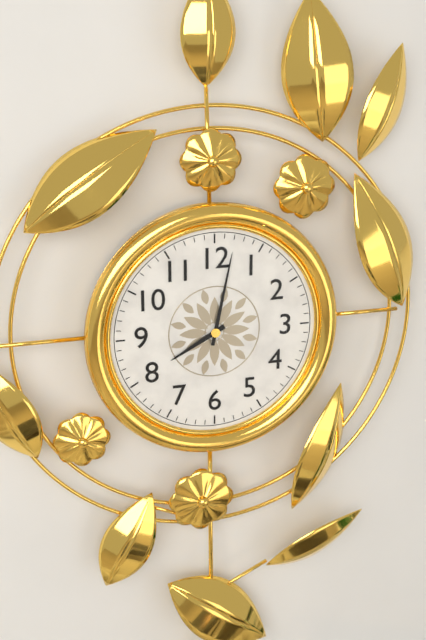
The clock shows 8 h 02 min
